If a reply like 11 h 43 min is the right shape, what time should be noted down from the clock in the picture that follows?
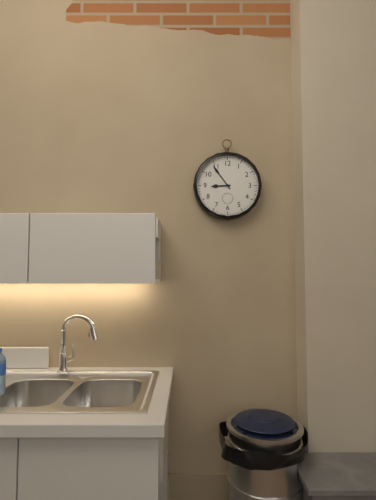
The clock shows 8 h 54 min
